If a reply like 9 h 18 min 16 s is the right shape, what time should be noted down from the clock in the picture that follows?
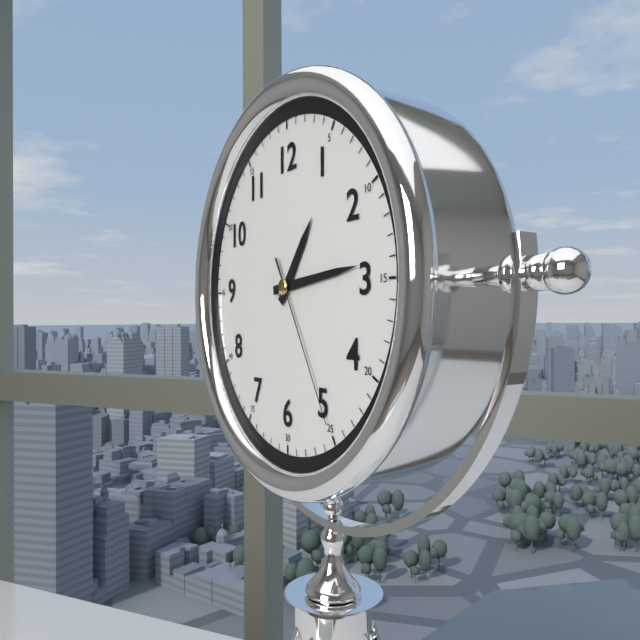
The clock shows 1 h 14 min 25 s
